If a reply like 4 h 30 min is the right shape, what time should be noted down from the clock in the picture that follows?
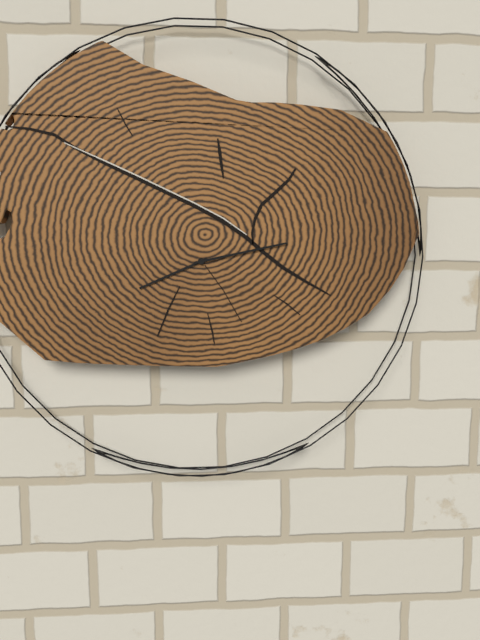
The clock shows 8 h 13 min
